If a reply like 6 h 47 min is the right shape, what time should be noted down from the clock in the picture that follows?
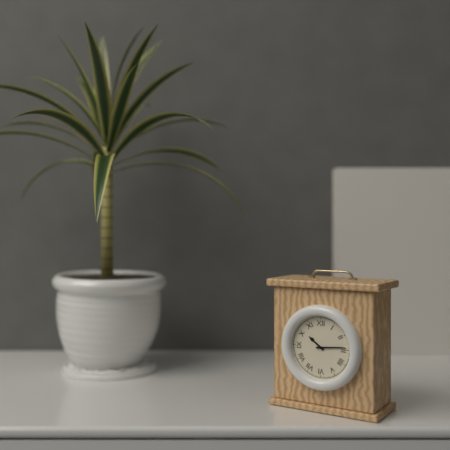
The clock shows 10 h 14 min
